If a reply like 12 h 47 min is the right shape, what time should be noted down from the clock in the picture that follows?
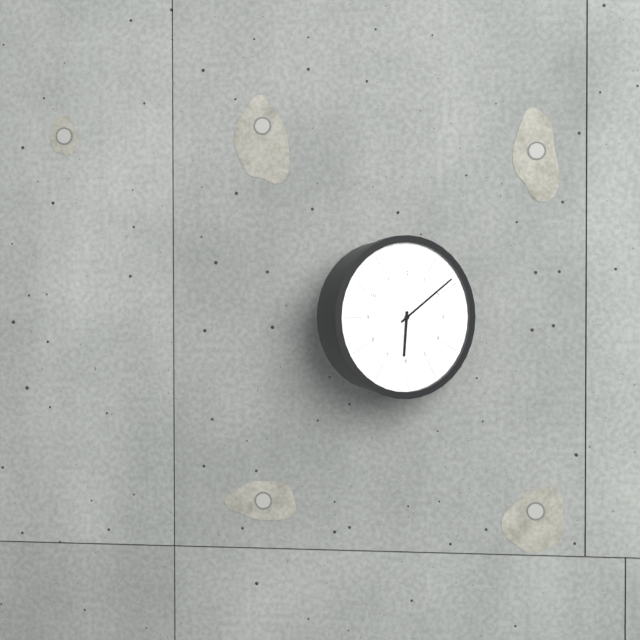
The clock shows 6 h 09 min
